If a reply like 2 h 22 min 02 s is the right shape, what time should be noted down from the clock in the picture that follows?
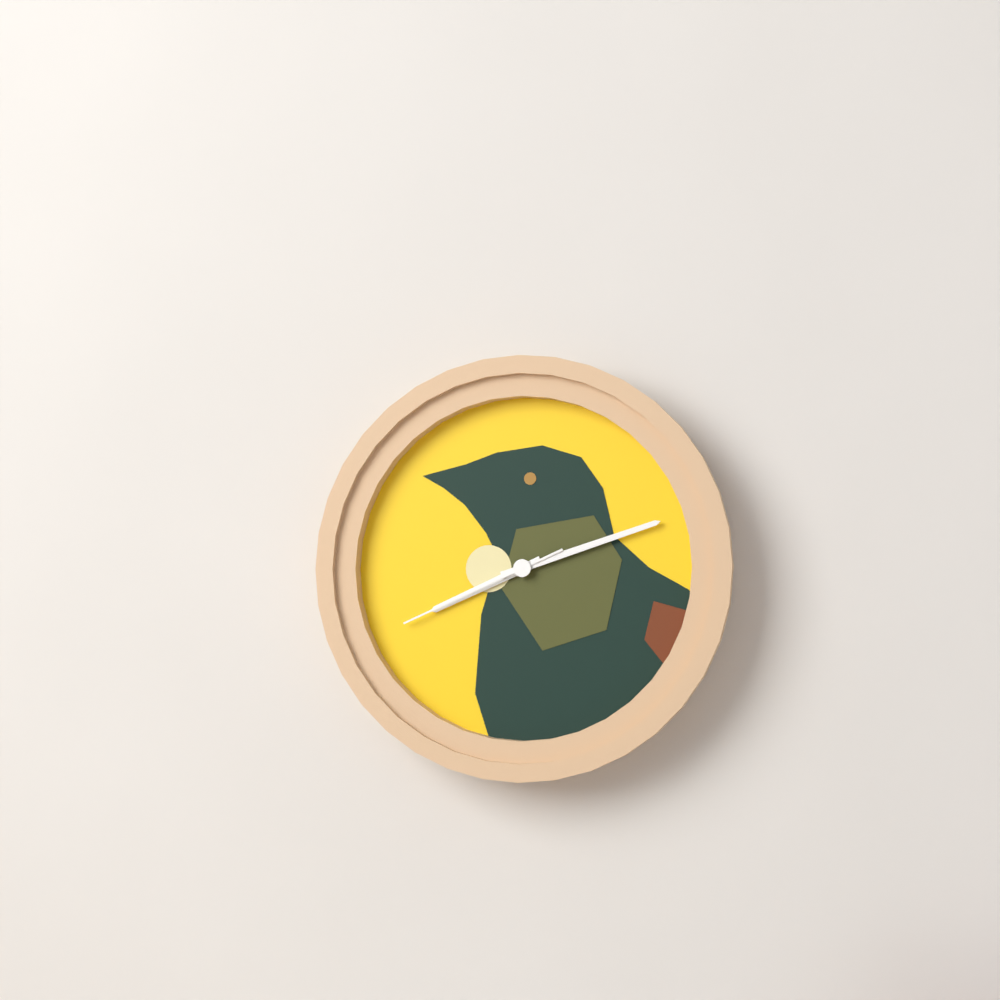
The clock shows 8 h 12 min 41 s
